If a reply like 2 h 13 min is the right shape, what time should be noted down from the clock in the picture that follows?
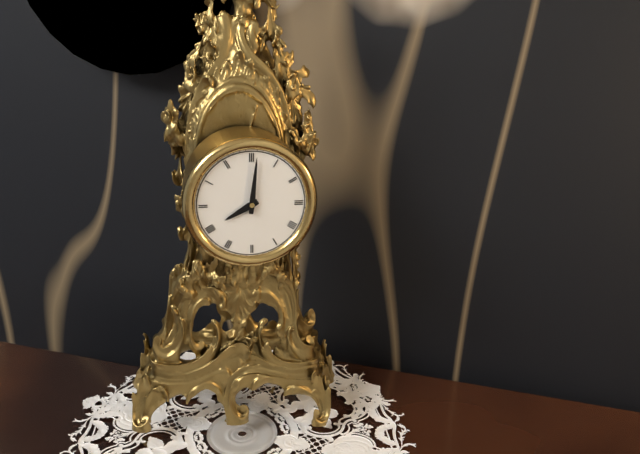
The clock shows 8 h 01 min
